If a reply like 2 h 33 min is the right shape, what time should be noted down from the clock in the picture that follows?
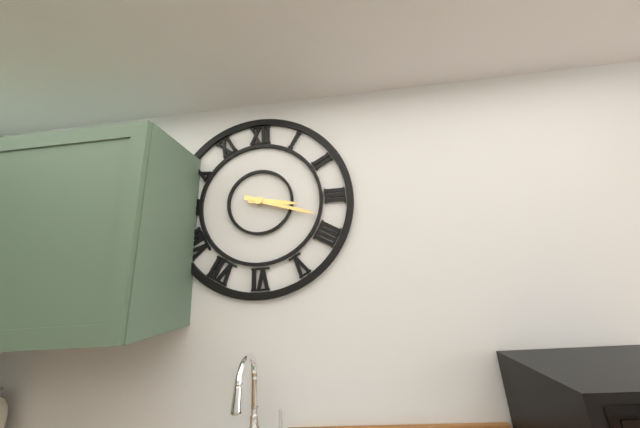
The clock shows 3 h 18 min
